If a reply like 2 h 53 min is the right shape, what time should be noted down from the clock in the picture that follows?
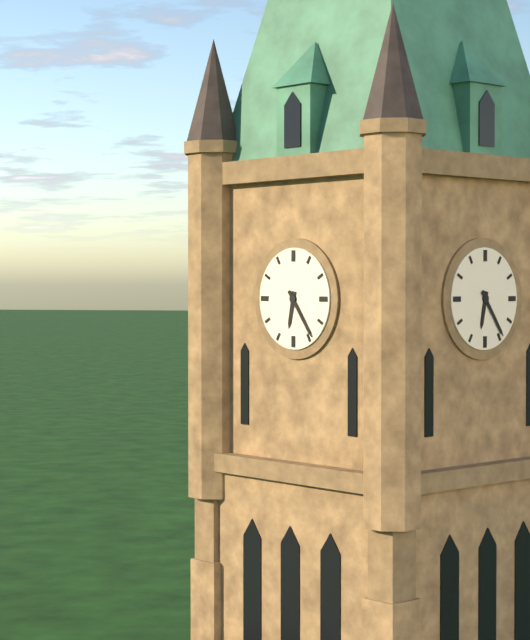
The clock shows 6 h 24 min
